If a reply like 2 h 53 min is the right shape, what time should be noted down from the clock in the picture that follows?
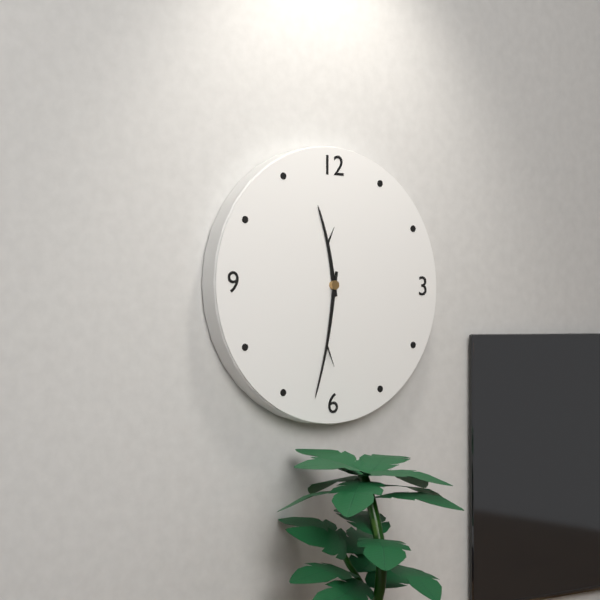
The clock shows 11 h 32 min
